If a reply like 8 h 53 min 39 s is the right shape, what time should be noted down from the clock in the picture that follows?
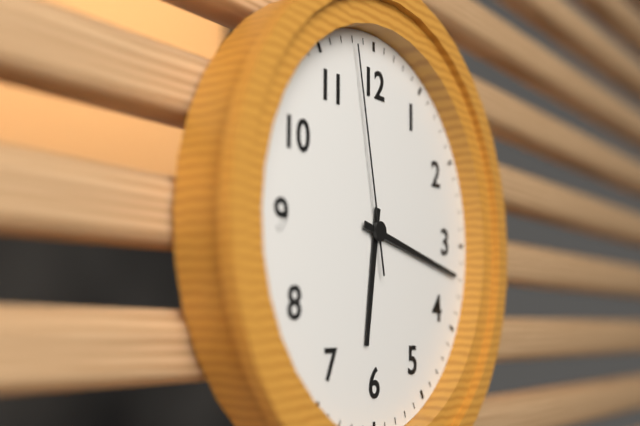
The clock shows 6 h 17 min 58 s
